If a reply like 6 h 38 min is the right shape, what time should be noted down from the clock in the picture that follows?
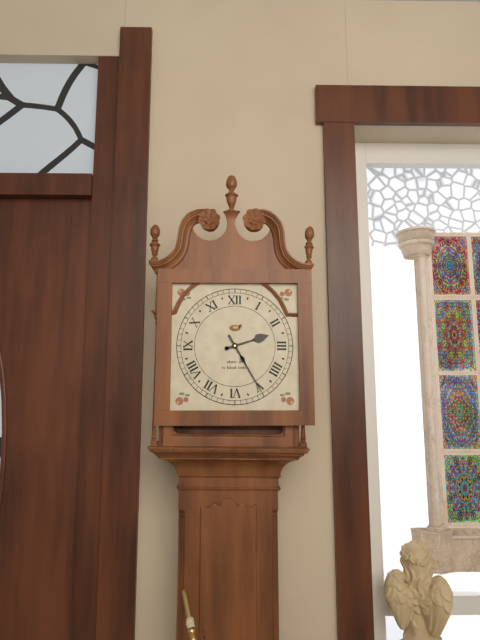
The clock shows 2 h 25 min
